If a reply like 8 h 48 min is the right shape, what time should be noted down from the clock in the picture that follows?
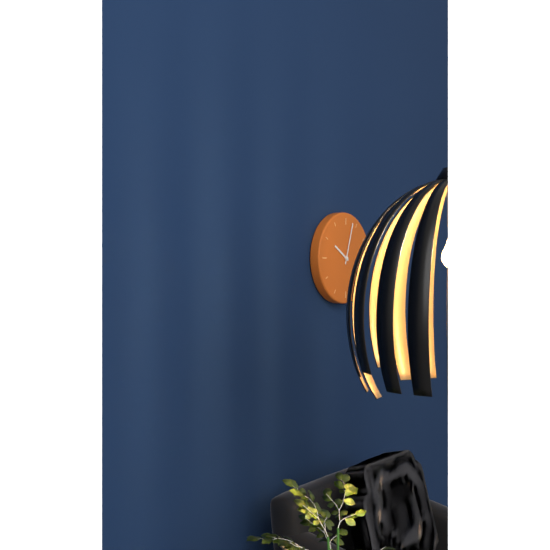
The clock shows 10 h 03 min
